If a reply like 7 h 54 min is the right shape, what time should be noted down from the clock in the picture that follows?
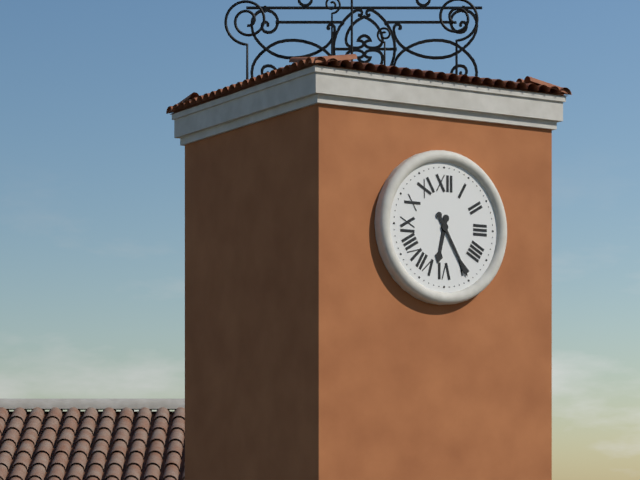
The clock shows 6 h 25 min
